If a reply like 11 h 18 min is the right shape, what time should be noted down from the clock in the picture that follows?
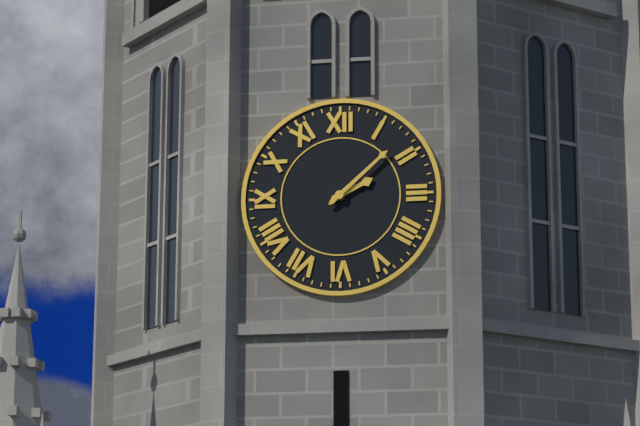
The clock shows 2 h 08 min
